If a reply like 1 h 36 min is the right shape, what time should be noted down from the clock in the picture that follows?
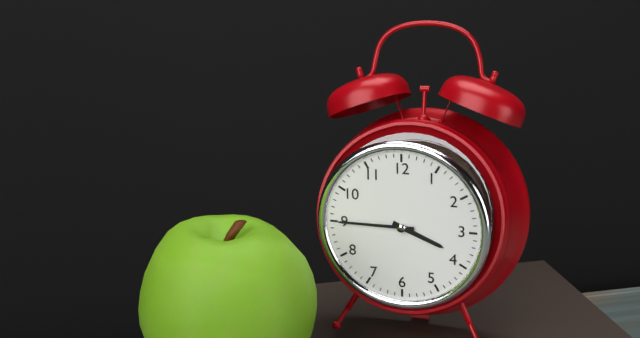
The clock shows 3 h 45 min
